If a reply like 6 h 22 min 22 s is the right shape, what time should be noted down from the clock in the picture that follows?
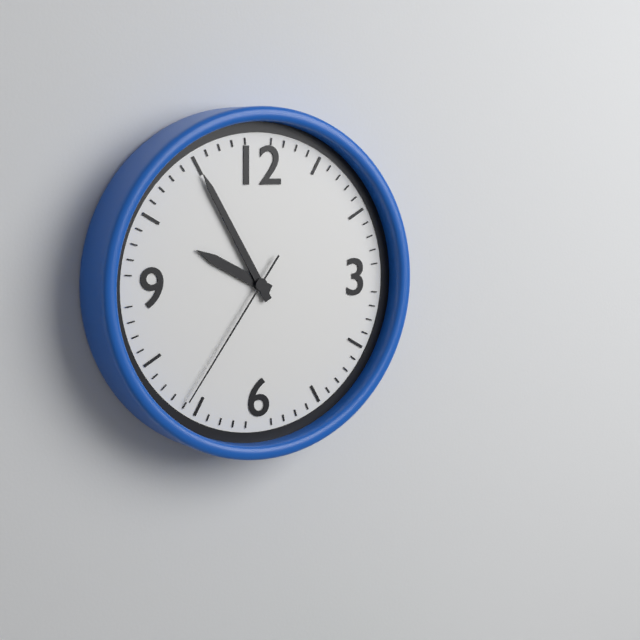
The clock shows 9 h 55 min 36 s
